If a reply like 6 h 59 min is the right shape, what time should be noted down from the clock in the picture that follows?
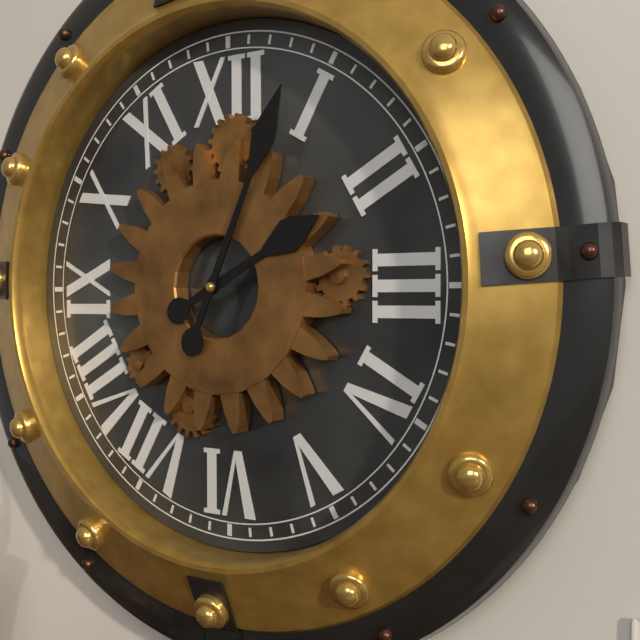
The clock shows 2 h 04 min
